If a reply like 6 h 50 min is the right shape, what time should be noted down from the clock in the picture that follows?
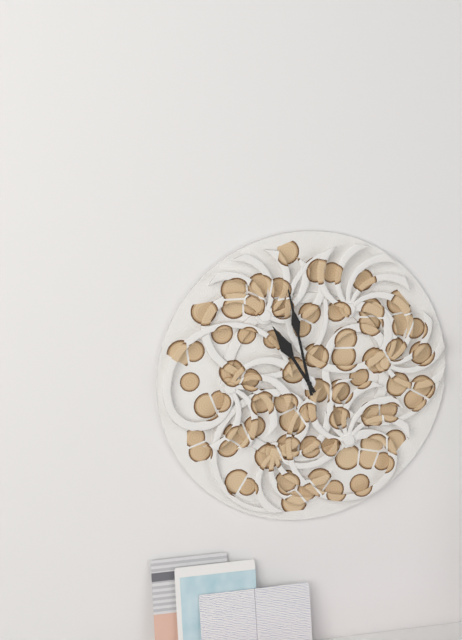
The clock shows 10 h 58 min
